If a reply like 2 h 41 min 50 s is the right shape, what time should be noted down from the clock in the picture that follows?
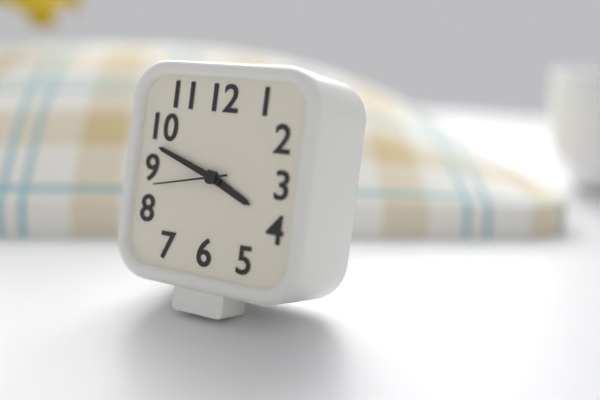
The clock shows 3 h 48 min 43 s
